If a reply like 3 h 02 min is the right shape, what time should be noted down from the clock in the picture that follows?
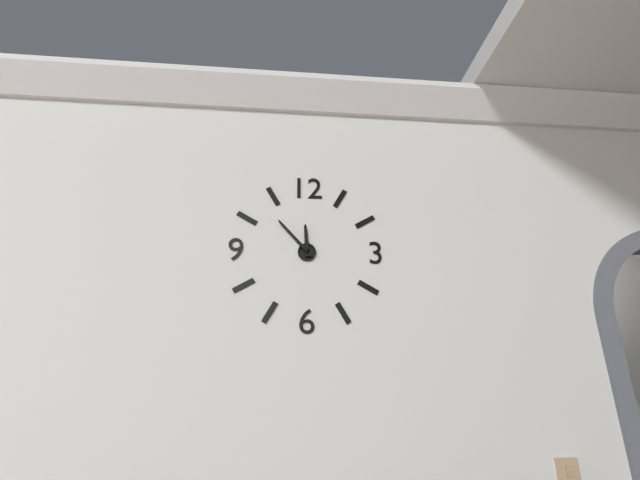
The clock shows 11 h 53 min
